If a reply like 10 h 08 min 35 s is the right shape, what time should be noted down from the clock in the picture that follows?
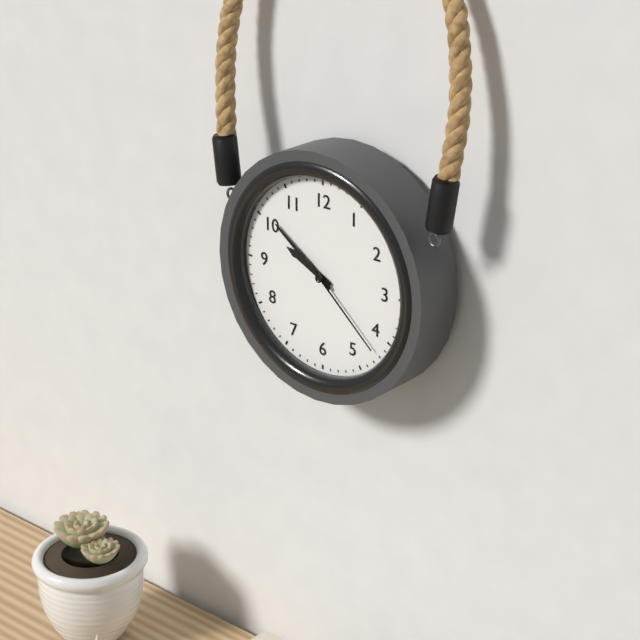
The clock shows 9 h 51 min 22 s
